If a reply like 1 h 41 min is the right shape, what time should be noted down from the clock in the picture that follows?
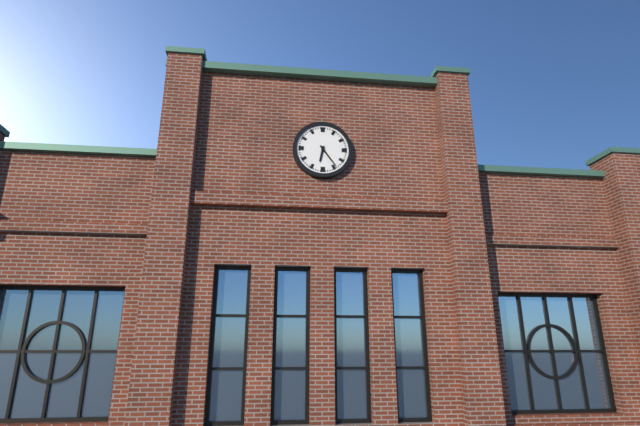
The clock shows 6 h 24 min
